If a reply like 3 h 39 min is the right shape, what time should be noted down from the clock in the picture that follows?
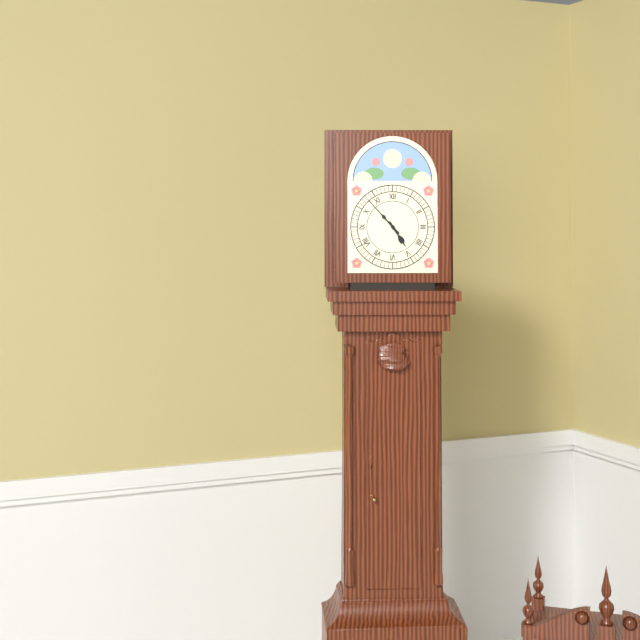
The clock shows 4 h 53 min
